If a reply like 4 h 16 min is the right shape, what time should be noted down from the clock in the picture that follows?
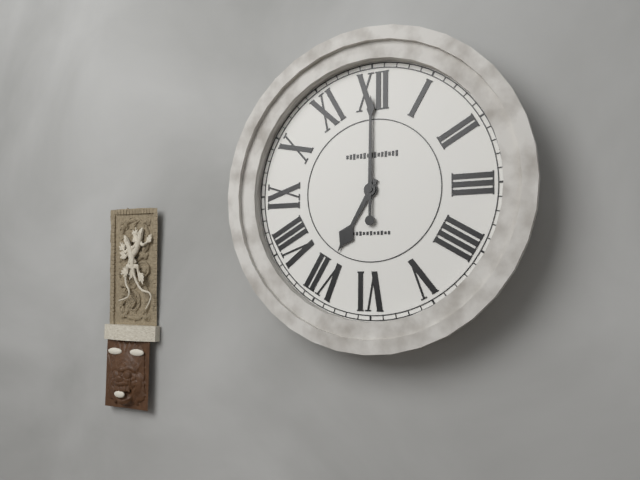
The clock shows 7 h 00 min
